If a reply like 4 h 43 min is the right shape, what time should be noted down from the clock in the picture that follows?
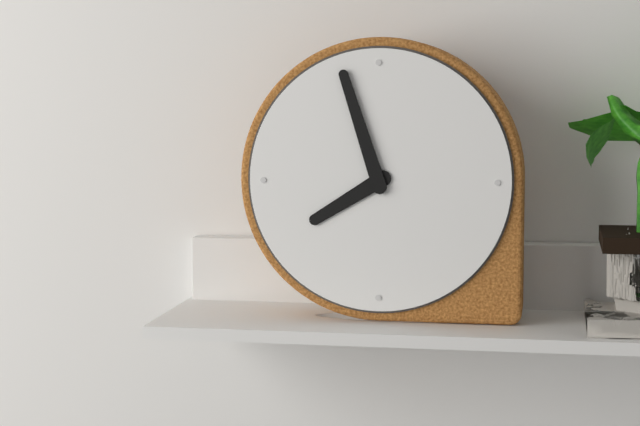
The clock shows 7 h 57 min
